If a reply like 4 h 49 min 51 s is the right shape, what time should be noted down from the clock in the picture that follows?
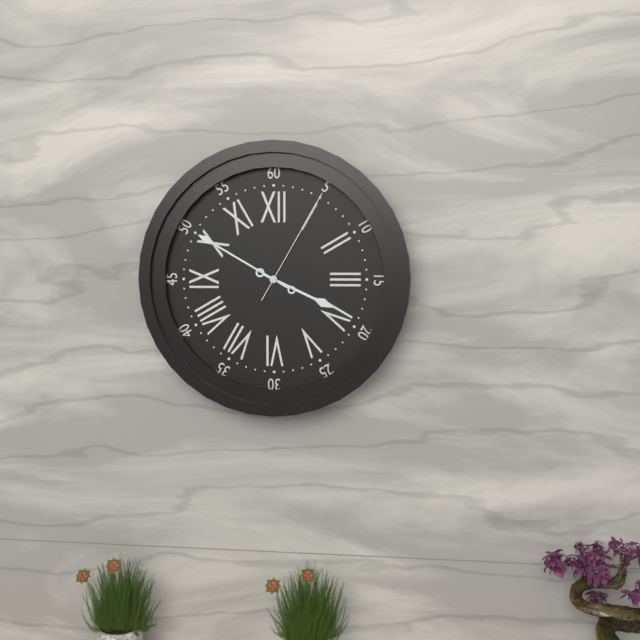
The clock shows 3 h 50 min 05 s
